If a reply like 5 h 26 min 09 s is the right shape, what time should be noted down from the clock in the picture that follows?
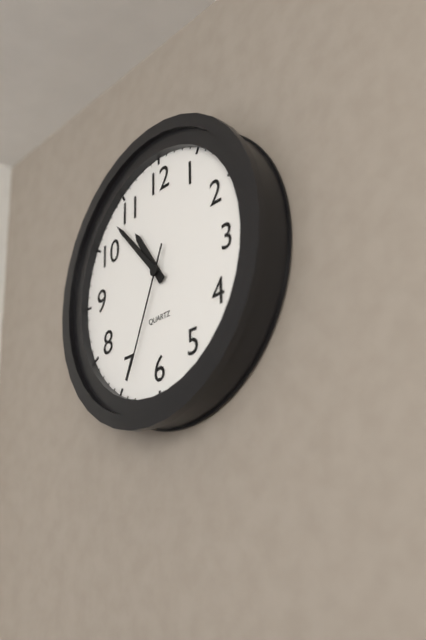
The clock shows 10 h 53 min 34 s
